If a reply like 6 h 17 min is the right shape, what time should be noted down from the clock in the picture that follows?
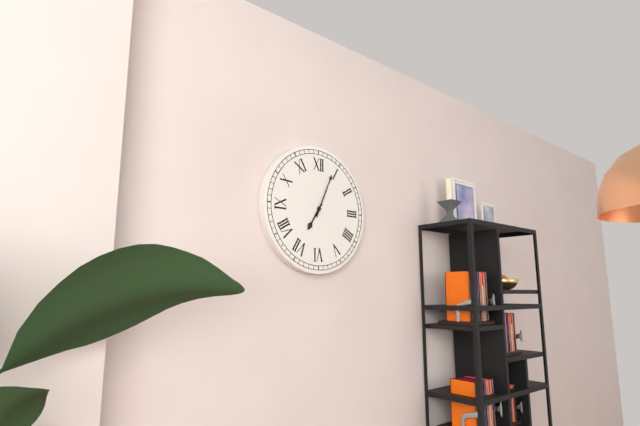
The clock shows 7 h 04 min
